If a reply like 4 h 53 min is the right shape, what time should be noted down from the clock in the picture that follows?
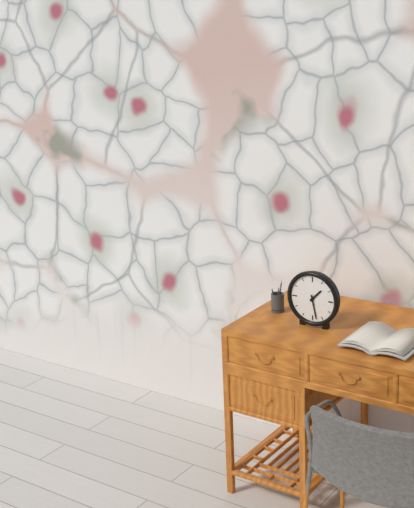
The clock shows 1 h 28 min
